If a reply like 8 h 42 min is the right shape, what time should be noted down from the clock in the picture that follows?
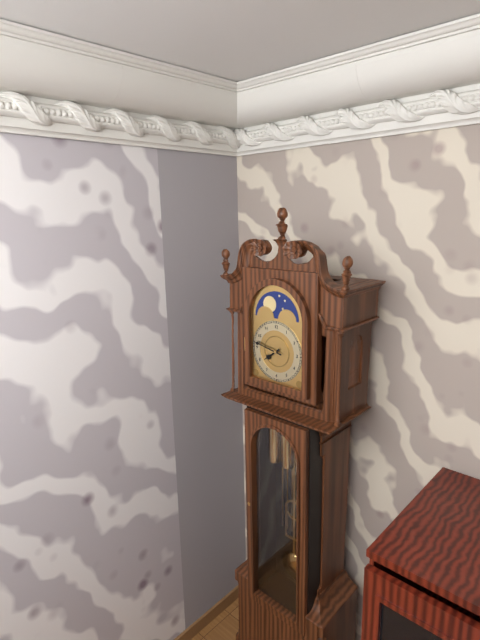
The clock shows 7 h 47 min
